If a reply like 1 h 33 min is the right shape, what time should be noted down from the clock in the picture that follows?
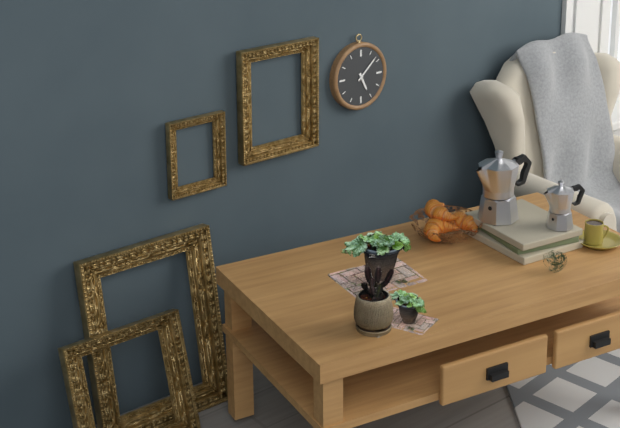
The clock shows 5 h 08 min
